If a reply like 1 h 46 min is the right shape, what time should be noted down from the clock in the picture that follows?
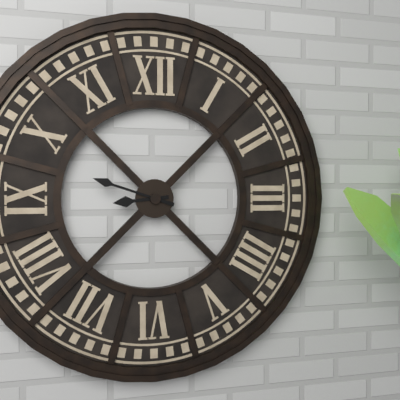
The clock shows 8 h 48 min
